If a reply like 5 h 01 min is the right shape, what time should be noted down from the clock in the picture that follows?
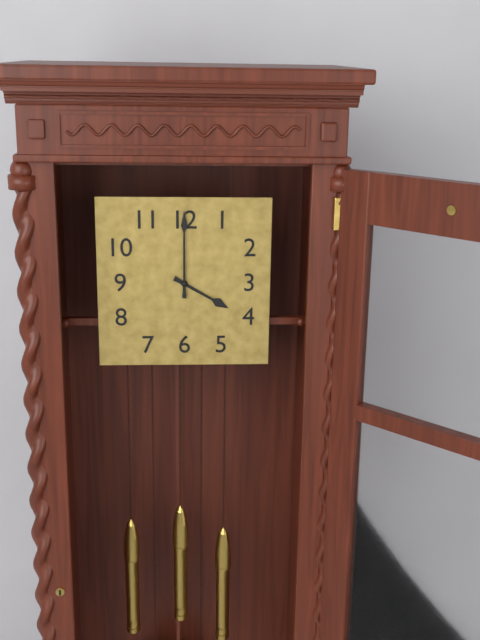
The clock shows 4 h 00 min
